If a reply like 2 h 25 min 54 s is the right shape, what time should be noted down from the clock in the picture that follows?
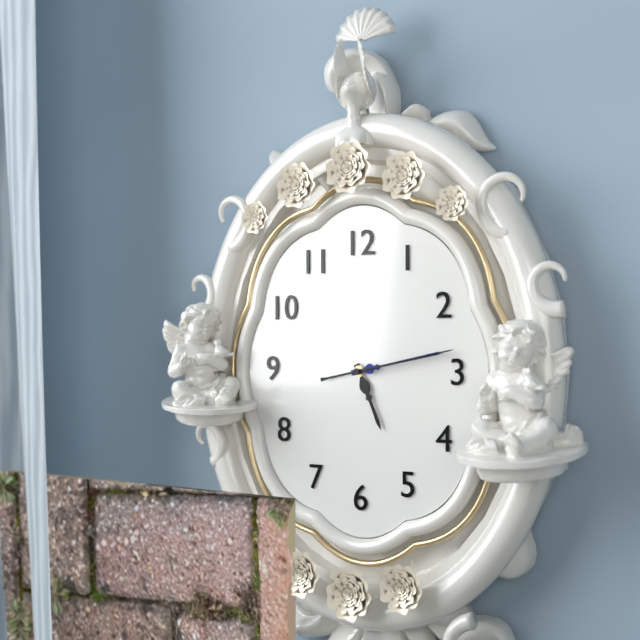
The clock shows 5 h 13 min 13 s
